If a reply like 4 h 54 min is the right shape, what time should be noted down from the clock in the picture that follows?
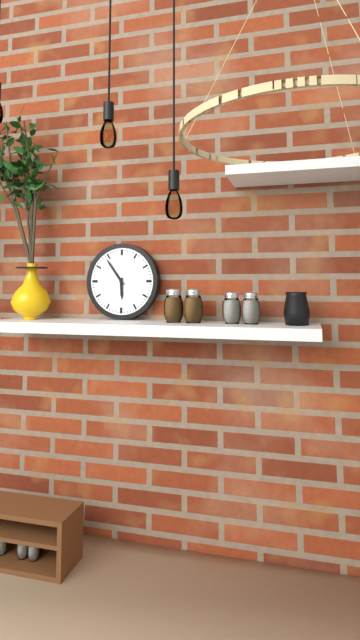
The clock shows 5 h 54 min
